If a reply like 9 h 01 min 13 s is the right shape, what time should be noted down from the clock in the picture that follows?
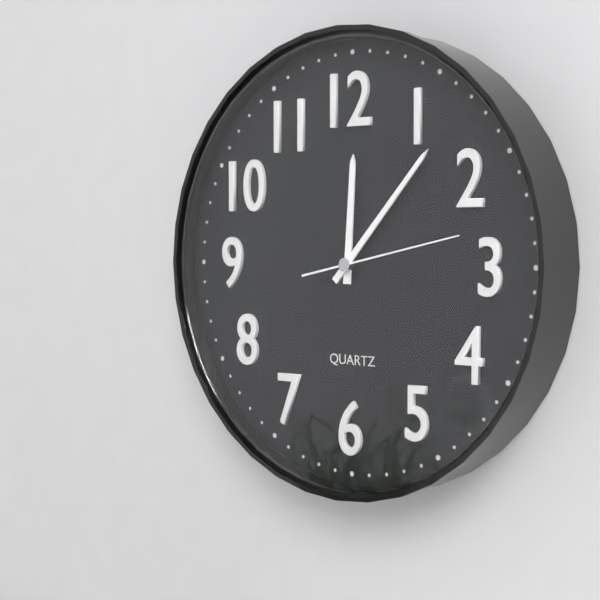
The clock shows 12 h 07 min 13 s
